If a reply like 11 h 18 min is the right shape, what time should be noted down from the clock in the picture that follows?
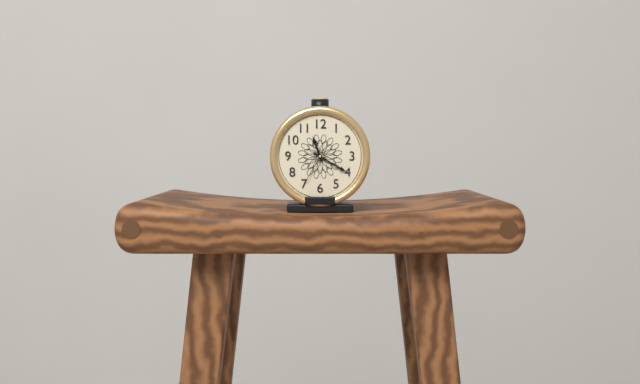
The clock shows 11 h 20 min
